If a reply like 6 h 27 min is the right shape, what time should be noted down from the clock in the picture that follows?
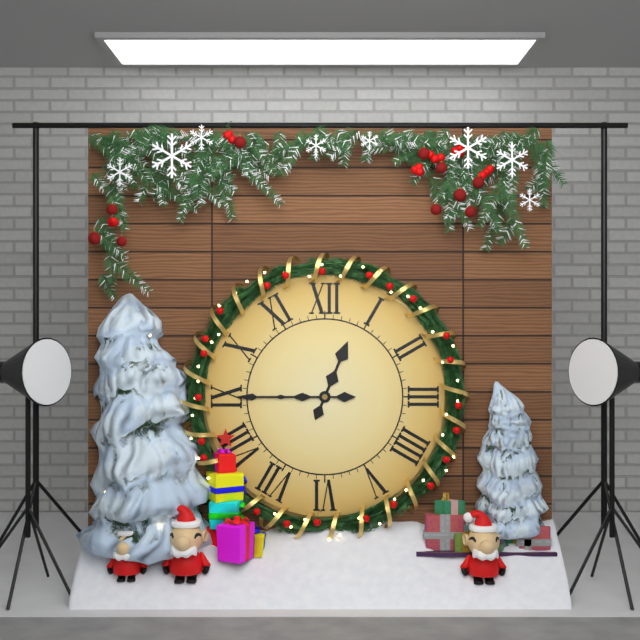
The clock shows 12 h 45 min
